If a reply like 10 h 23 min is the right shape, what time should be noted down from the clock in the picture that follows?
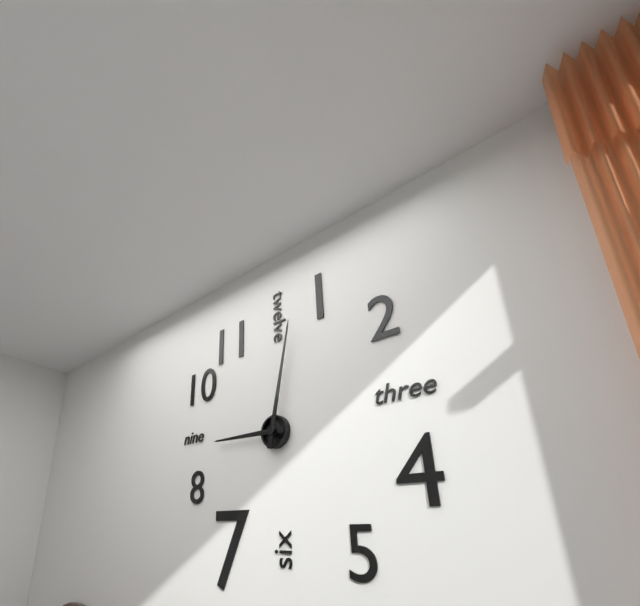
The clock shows 9 h 02 min
